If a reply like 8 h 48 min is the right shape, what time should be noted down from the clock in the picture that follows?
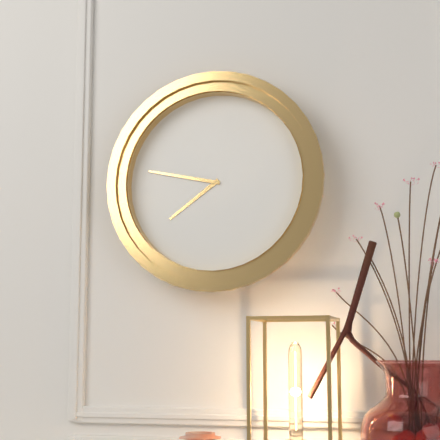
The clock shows 7 h 47 min
